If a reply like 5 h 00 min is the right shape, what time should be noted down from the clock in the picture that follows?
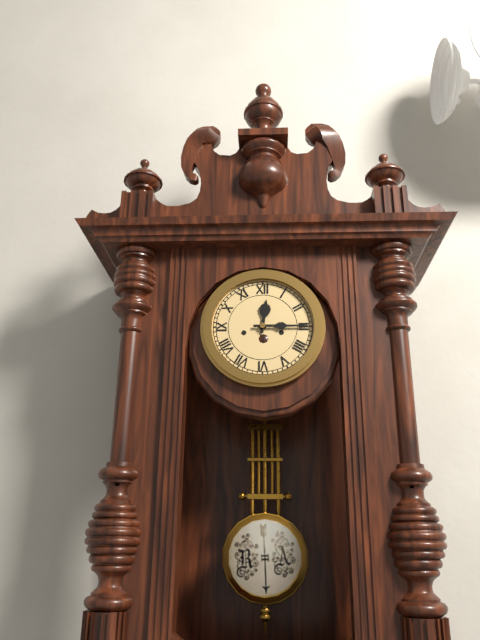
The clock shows 12 h 15 min
